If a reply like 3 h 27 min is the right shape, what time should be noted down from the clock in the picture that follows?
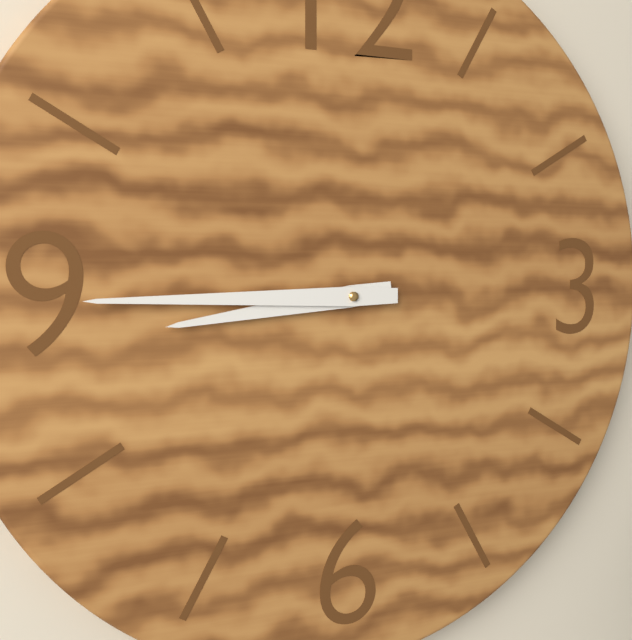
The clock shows 8 h 45 min
